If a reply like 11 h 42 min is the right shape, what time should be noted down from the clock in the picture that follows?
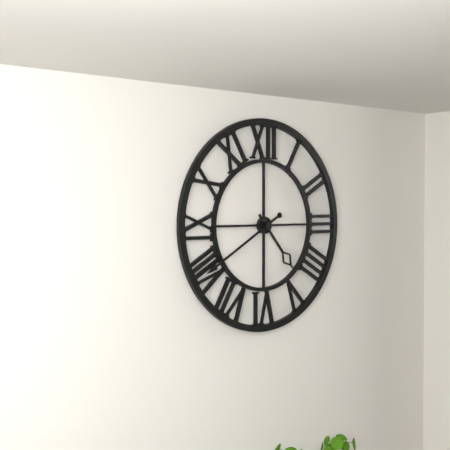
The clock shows 4 h 40 min
